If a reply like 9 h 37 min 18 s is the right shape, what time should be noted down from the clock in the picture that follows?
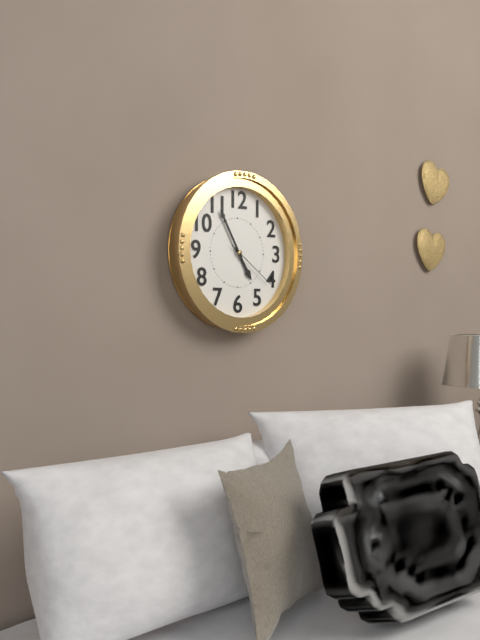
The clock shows 4 h 55 min 21 s
